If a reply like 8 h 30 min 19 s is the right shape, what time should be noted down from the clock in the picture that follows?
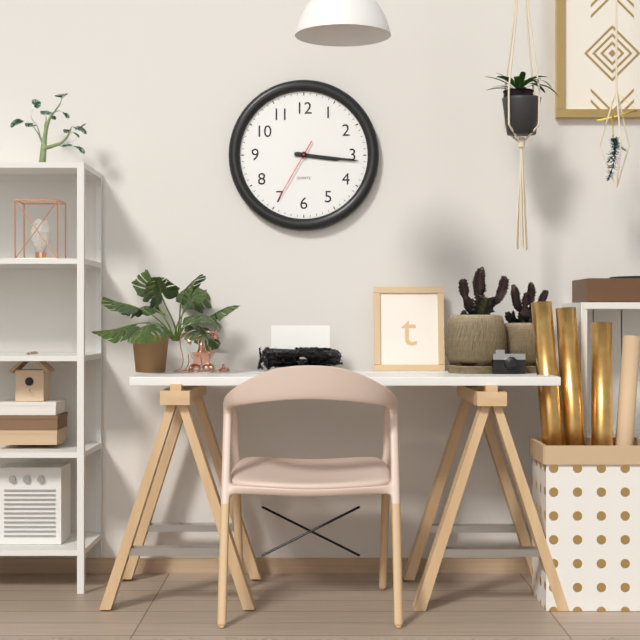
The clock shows 3 h 16 min 35 s
